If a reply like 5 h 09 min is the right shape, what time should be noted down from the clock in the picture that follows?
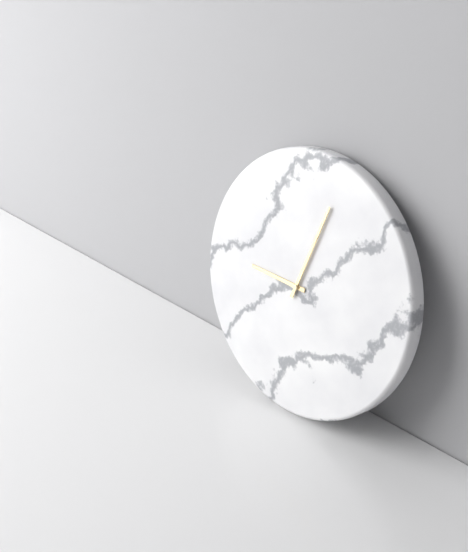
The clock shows 9 h 03 min
